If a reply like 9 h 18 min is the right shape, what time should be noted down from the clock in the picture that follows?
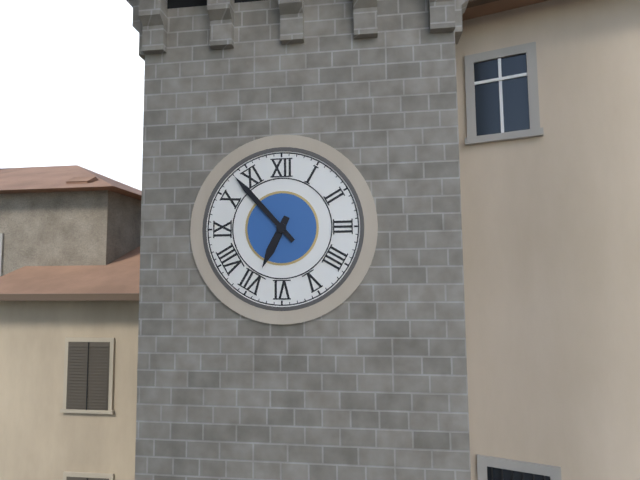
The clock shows 6 h 53 min
